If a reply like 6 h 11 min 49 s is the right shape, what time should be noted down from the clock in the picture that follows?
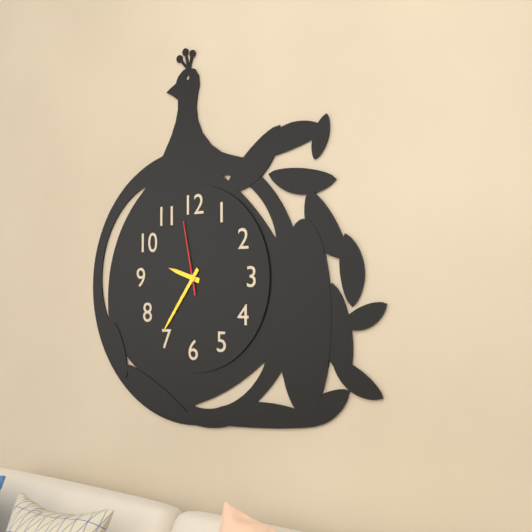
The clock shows 9 h 36 min 58 s
